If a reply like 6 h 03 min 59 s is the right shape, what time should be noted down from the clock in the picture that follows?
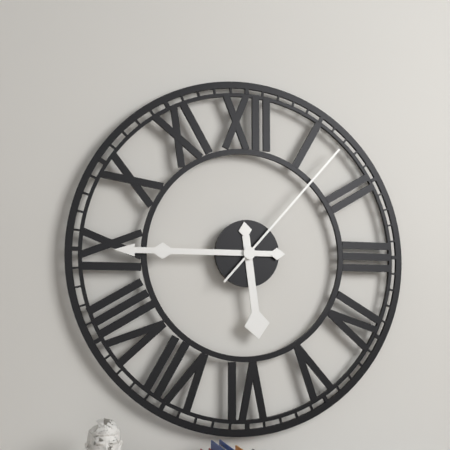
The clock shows 5 h 45 min 07 s
